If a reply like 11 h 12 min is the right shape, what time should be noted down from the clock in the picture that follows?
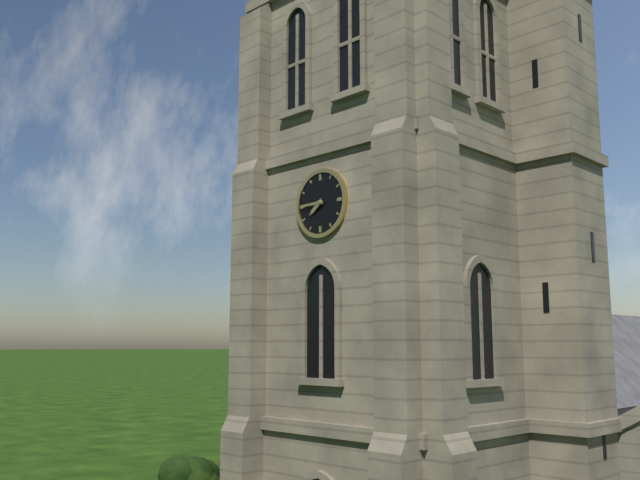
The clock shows 7 h 45 min
